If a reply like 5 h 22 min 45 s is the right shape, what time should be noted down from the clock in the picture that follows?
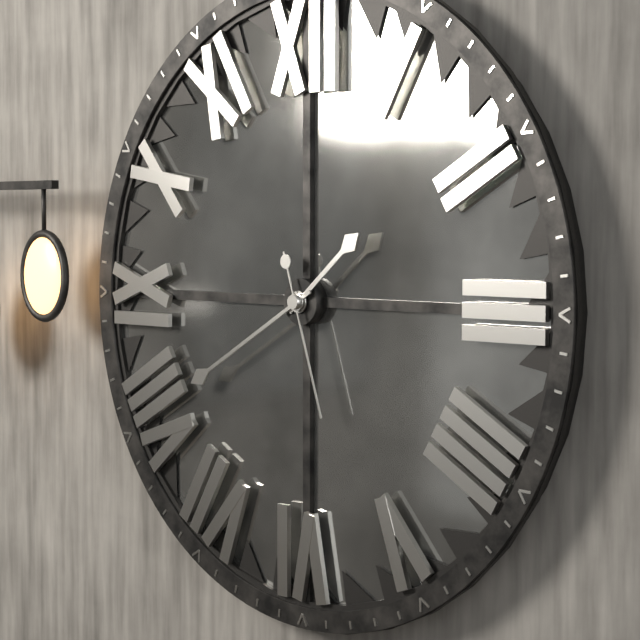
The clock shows 1 h 40 min 27 s
